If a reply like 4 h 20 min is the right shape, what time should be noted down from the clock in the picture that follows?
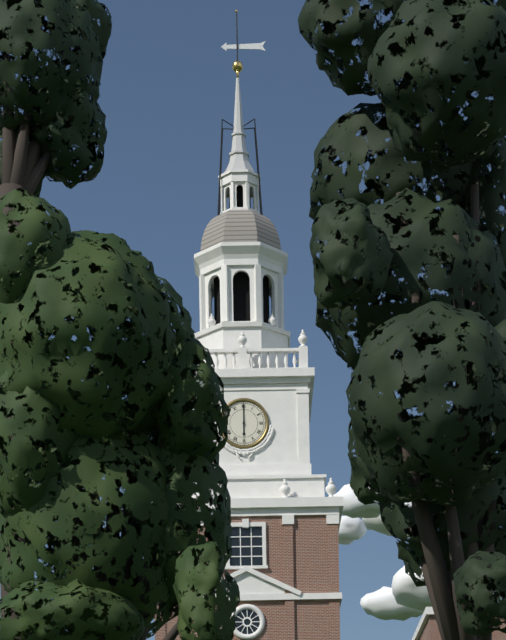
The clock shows 6 h 00 min
